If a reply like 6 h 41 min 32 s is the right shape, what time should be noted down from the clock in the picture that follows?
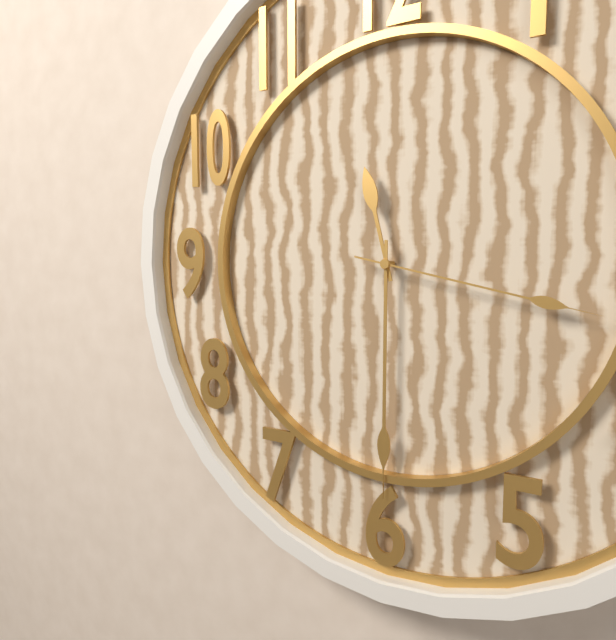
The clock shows 11 h 30 min 17 s
